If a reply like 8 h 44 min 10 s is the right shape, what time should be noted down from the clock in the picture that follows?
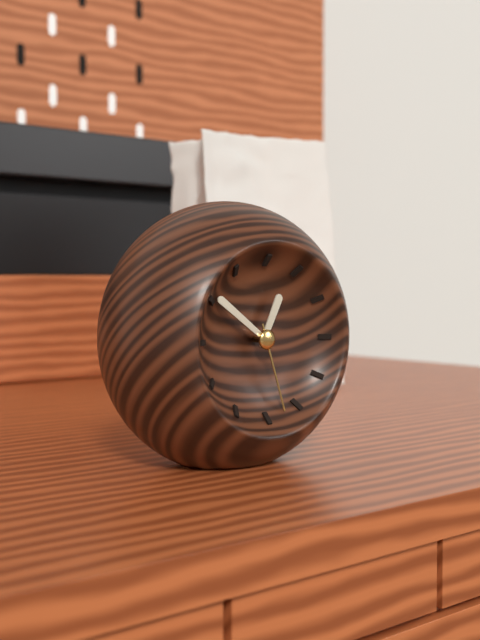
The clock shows 12 h 51 min 27 s
